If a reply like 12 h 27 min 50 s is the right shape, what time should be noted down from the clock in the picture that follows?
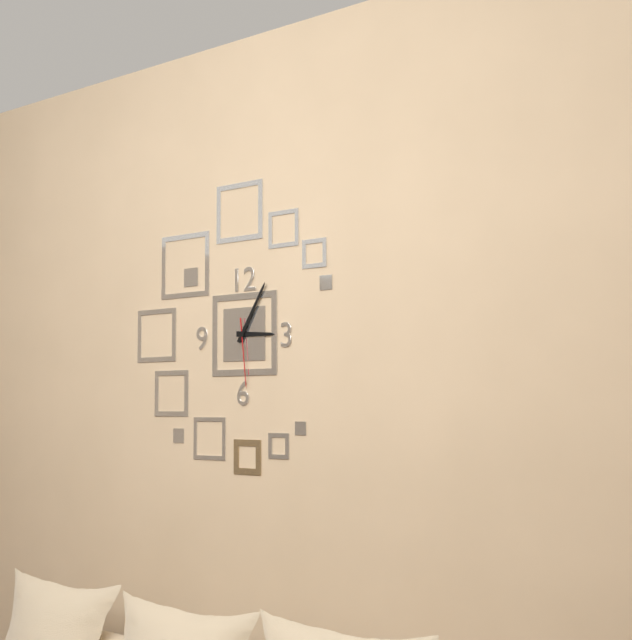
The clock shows 3 h 05 min 29 s
